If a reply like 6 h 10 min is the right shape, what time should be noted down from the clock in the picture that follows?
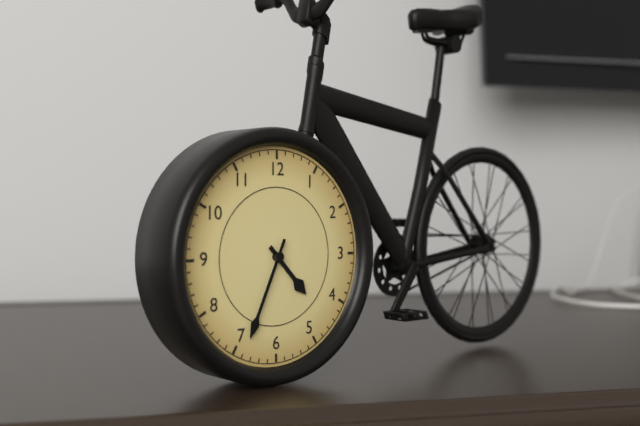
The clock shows 4 h 34 min
